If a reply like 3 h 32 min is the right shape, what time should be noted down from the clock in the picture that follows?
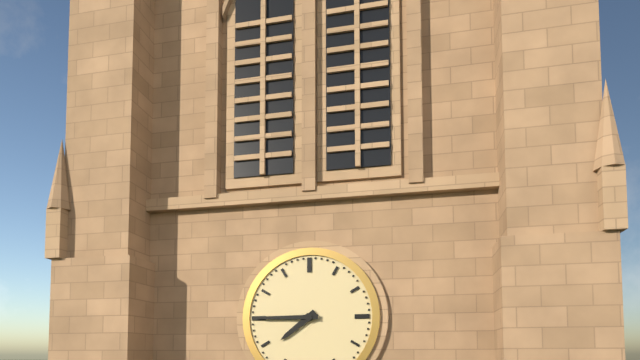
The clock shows 7 h 45 min
